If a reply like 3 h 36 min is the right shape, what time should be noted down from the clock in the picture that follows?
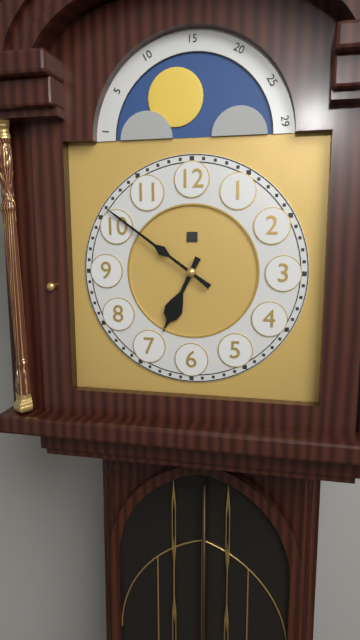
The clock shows 6 h 51 min
